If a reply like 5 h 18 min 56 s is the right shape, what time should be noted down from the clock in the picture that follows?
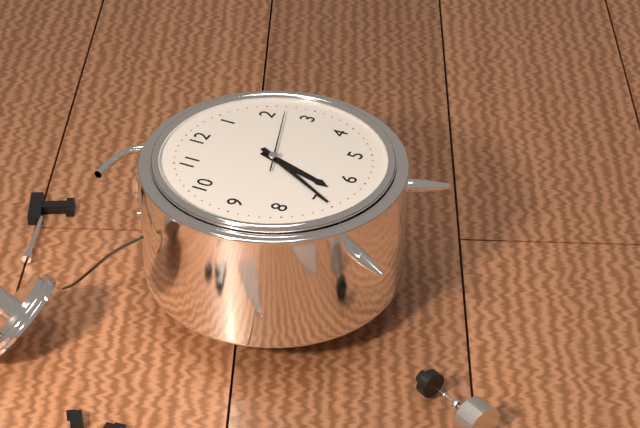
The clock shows 6 h 35 min 12 s
